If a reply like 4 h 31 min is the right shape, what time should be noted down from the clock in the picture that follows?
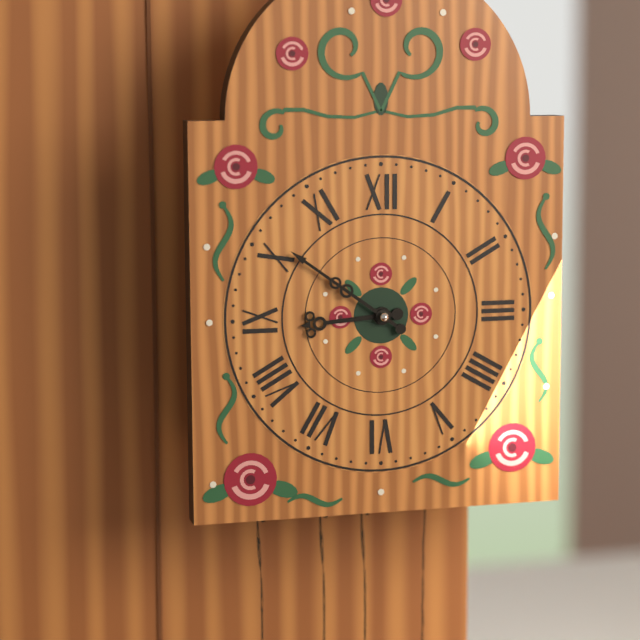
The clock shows 8 h 51 min
